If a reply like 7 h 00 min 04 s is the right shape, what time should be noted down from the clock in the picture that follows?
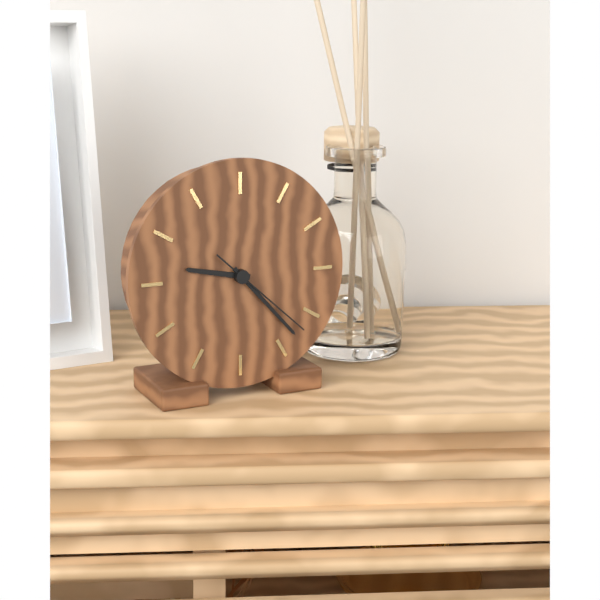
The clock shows 9 h 23 min 22 s
